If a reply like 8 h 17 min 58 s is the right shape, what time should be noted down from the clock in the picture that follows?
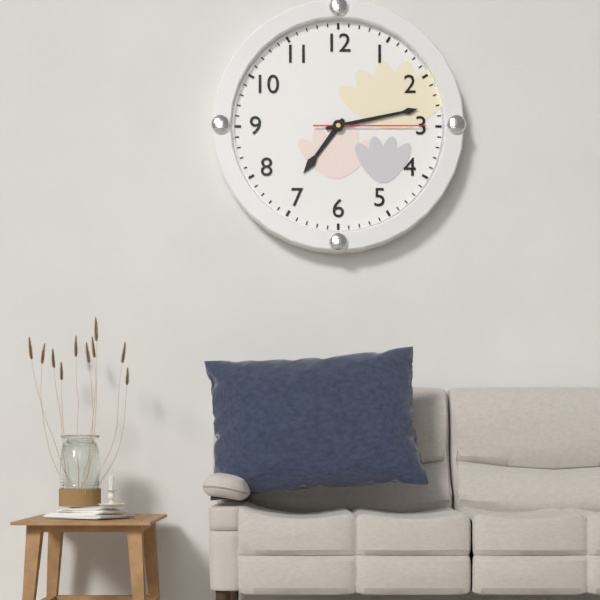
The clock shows 7 h 13 min 15 s
